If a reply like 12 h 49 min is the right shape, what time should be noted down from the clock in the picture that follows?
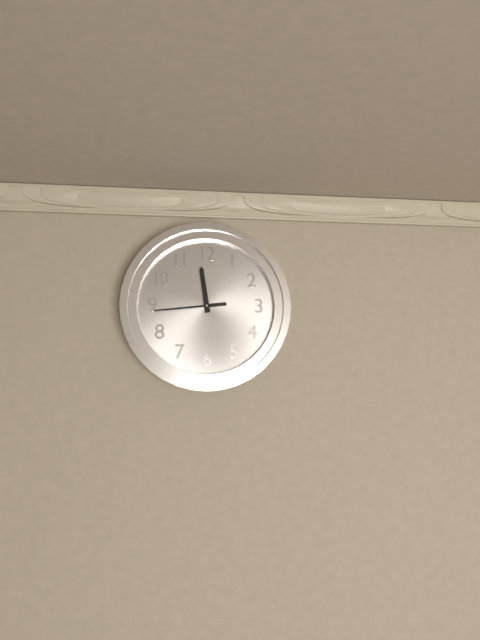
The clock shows 11 h 44 min
